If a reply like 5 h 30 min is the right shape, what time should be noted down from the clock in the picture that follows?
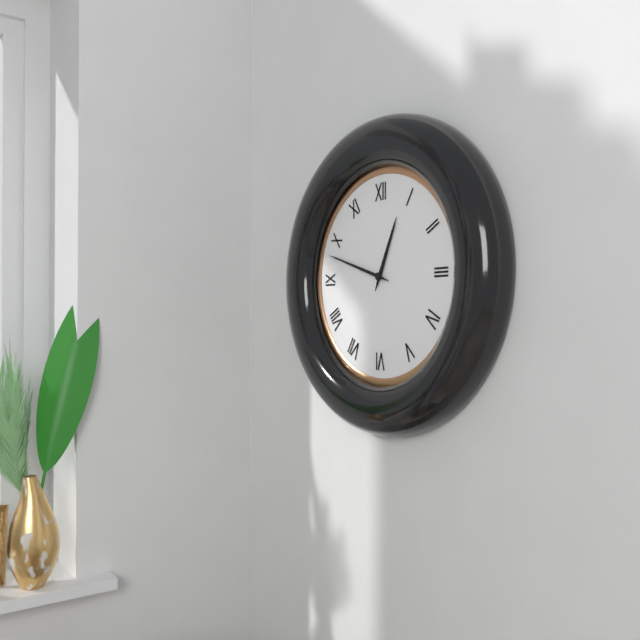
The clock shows 12 h 48 min
